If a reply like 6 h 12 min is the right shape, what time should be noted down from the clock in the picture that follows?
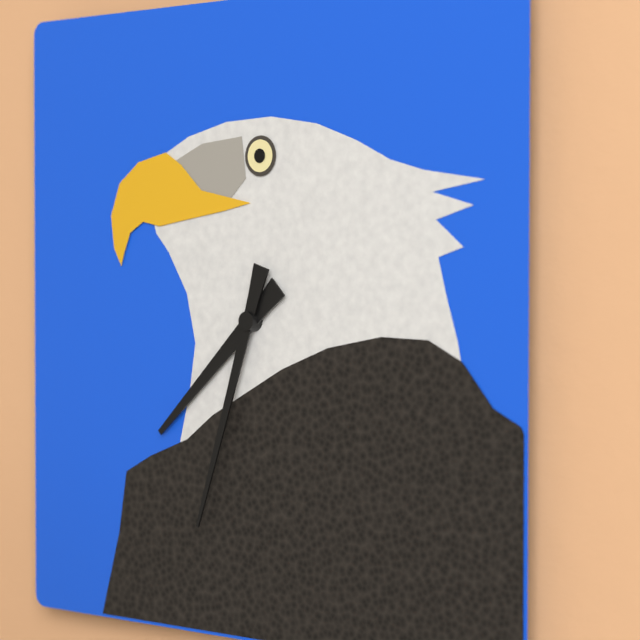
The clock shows 7 h 33 min
